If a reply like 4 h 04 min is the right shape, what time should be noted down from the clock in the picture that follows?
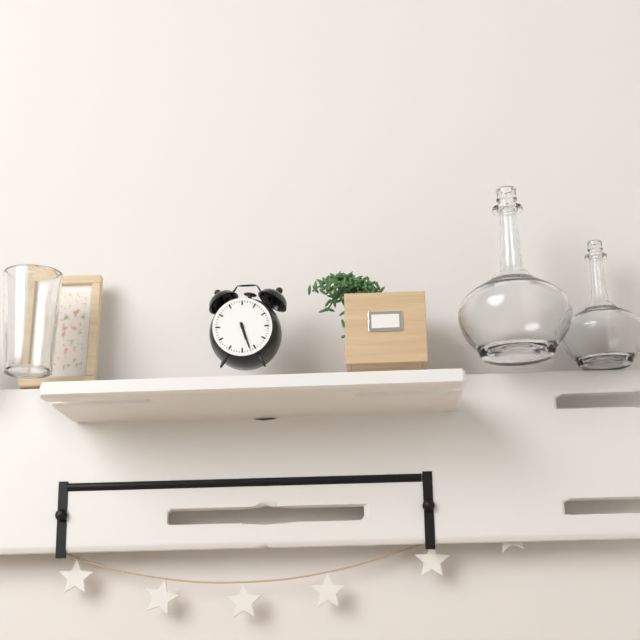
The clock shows 5 h 27 min
